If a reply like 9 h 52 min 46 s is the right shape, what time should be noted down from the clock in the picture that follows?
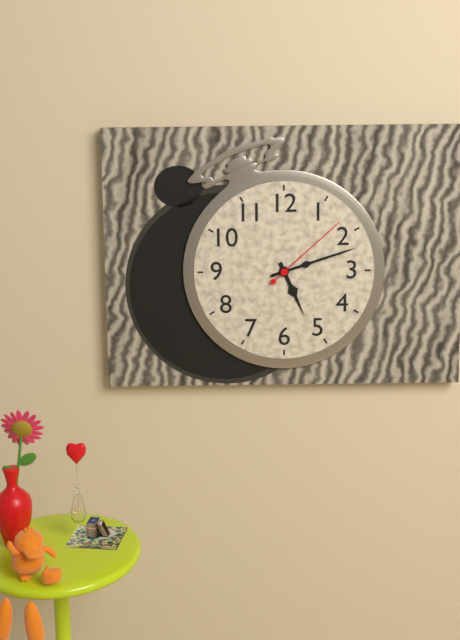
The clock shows 5 h 12 min 08 s
